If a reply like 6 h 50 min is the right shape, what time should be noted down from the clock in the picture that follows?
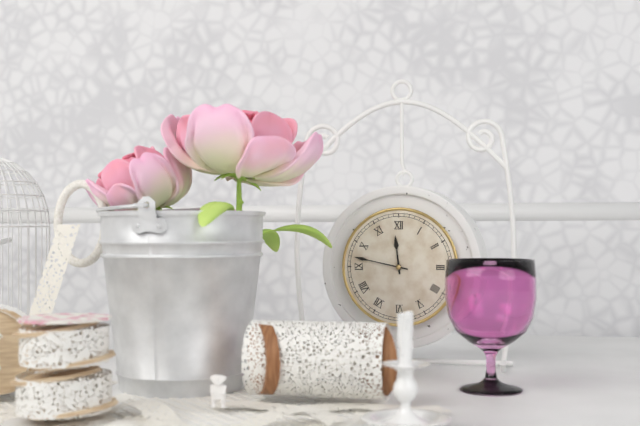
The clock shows 11 h 47 min
